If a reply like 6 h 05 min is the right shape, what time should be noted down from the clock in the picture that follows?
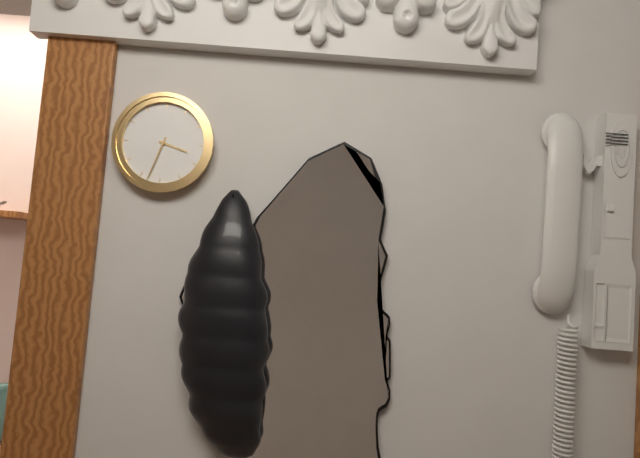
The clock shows 3 h 33 min
